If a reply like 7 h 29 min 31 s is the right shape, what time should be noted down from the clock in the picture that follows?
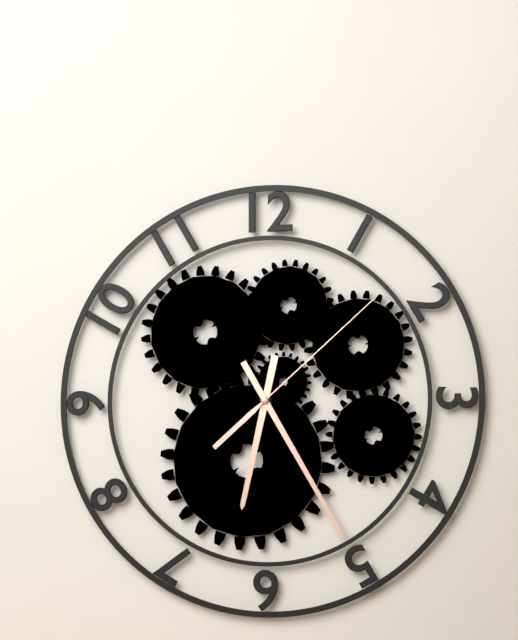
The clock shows 6 h 25 min 08 s
